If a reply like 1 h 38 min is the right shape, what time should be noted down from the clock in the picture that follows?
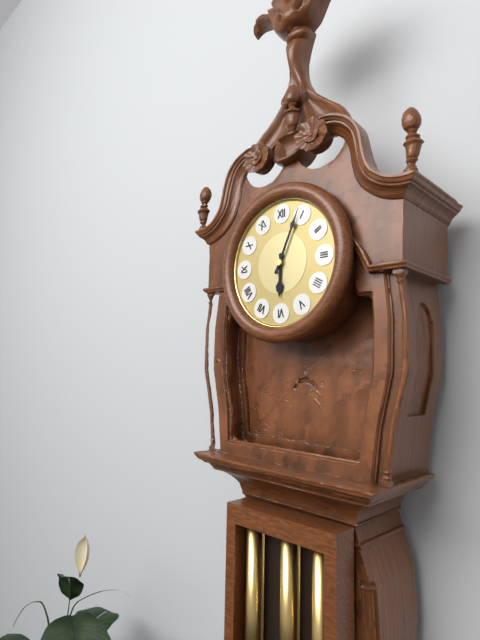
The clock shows 6 h 04 min
